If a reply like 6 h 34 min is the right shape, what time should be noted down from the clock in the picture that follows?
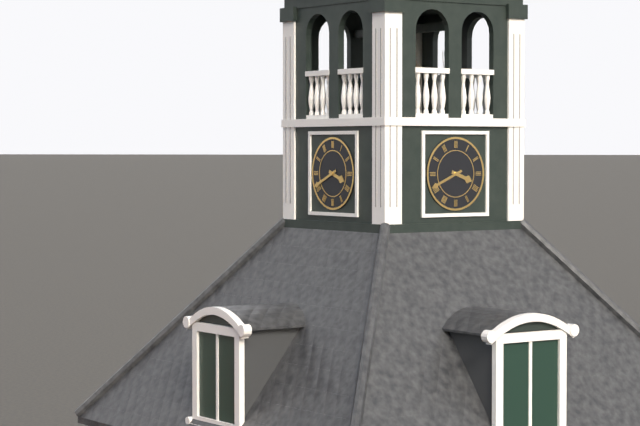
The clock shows 3 h 41 min
